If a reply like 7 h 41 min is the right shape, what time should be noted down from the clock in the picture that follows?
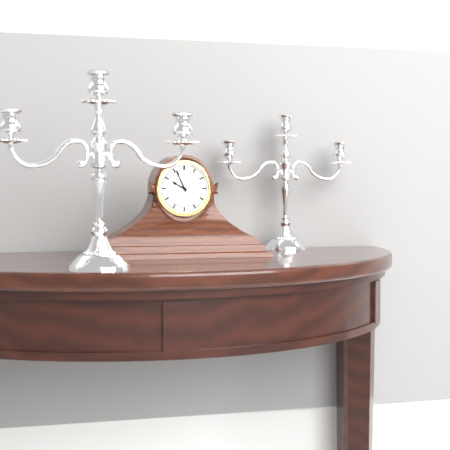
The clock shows 9 h 56 min
